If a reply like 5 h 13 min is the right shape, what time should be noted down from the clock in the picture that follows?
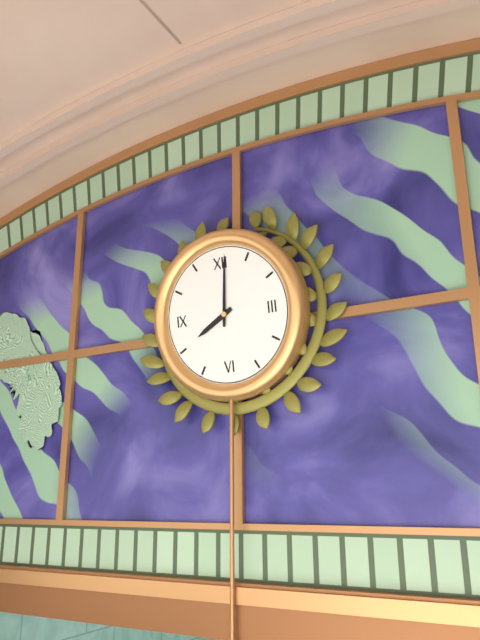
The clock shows 8 h 01 min
